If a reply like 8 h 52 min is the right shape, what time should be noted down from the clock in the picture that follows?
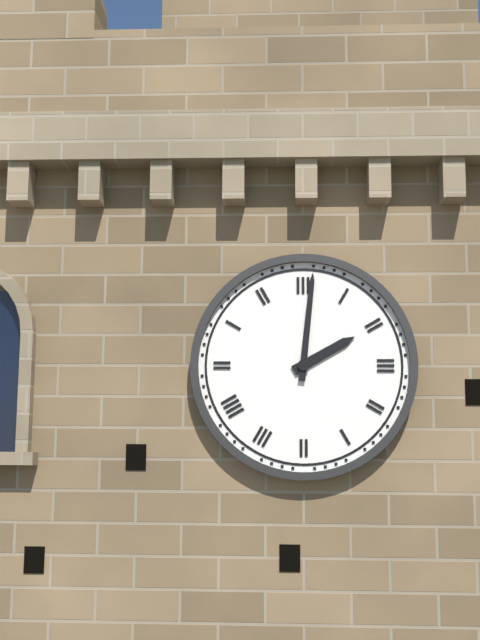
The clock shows 2 h 01 min
